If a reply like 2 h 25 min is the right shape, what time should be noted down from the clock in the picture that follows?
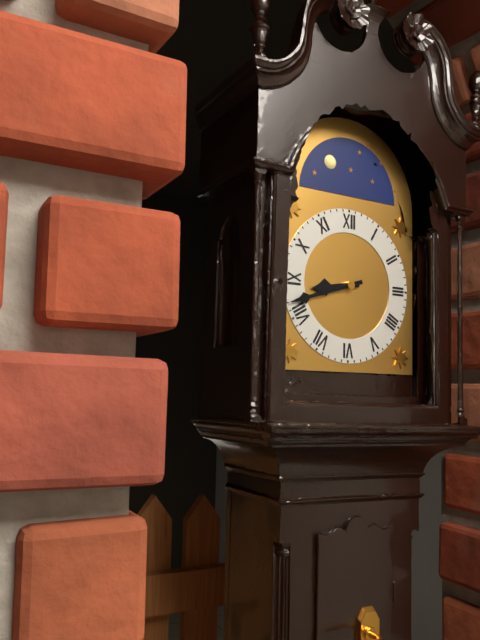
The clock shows 8 h 42 min
